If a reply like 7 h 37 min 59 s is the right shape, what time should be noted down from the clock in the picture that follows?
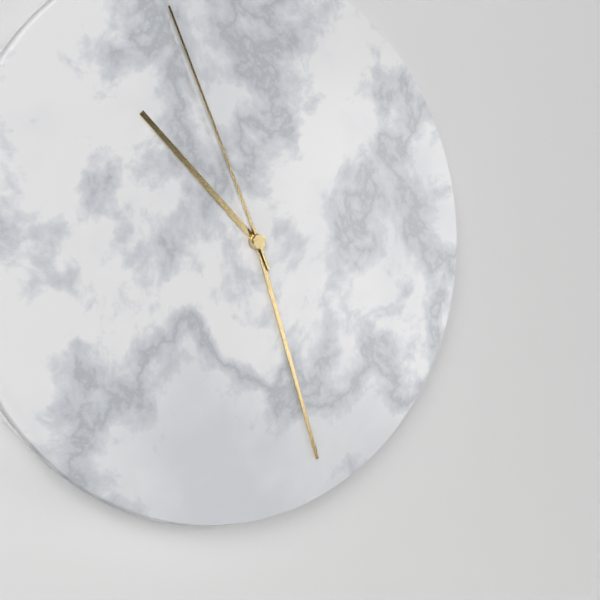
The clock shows 10 h 27 min 56 s
